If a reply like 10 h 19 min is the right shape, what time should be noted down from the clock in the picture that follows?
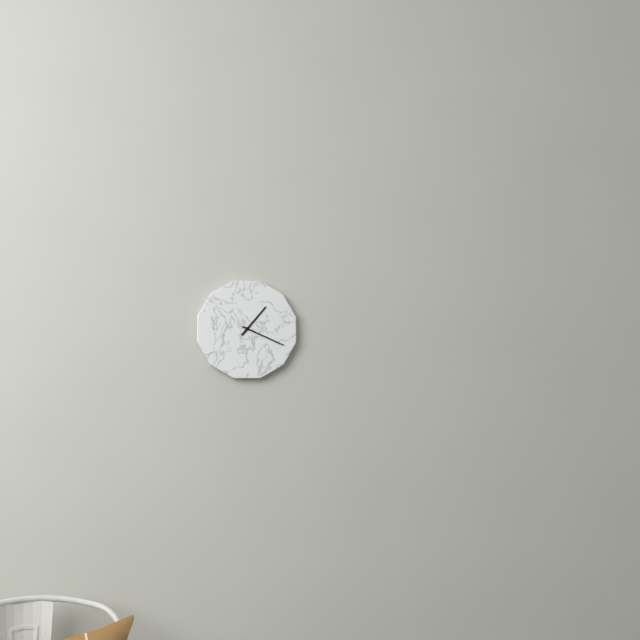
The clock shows 1 h 19 min
